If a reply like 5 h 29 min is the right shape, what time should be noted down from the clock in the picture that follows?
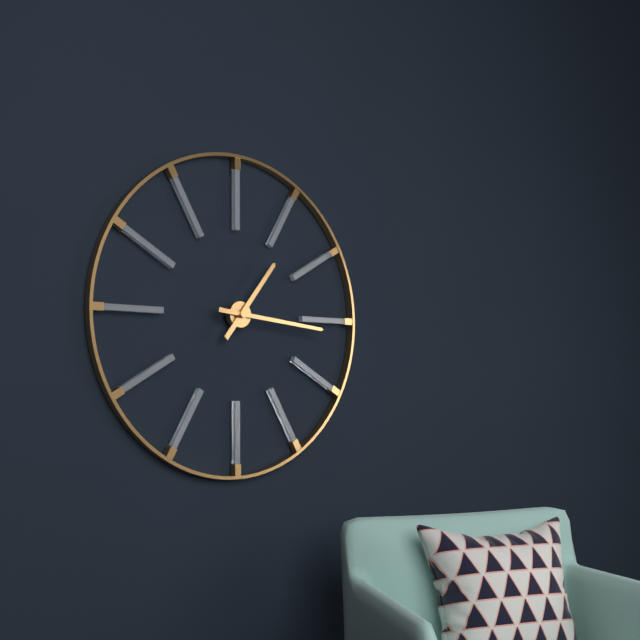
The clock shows 1 h 16 min
